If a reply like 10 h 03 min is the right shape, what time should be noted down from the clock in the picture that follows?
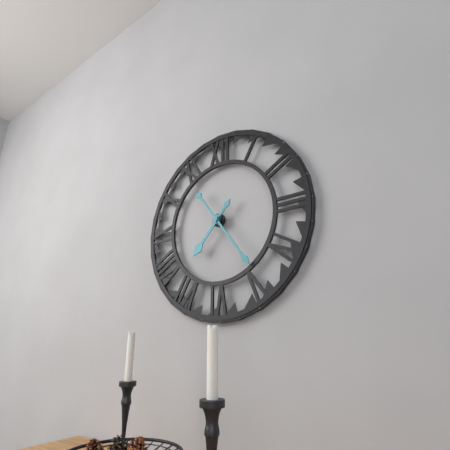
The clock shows 7 h 24 min
